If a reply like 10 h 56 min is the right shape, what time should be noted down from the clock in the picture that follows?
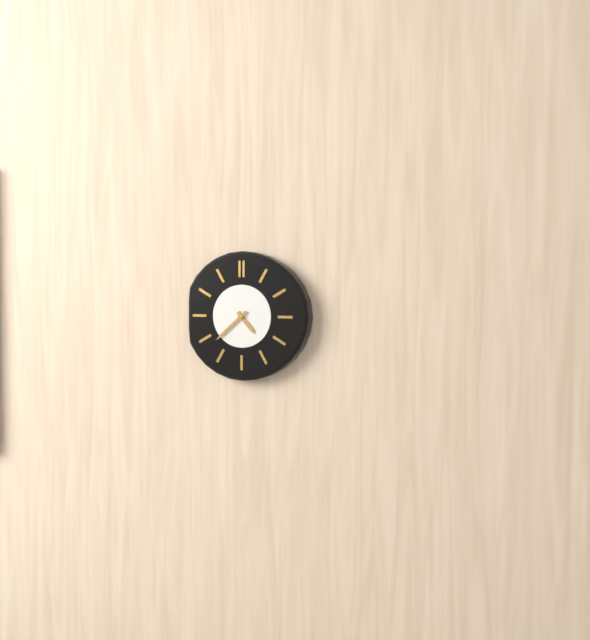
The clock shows 4 h 38 min
